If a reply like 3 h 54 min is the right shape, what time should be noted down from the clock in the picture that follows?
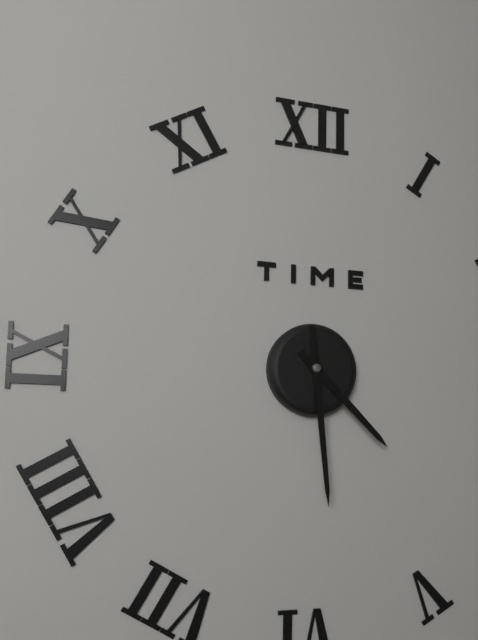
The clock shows 4 h 29 min
